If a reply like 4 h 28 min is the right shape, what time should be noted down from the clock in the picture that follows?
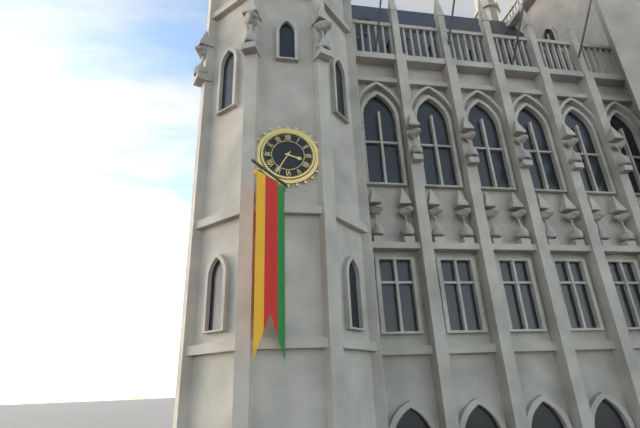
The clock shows 3 h 35 min
